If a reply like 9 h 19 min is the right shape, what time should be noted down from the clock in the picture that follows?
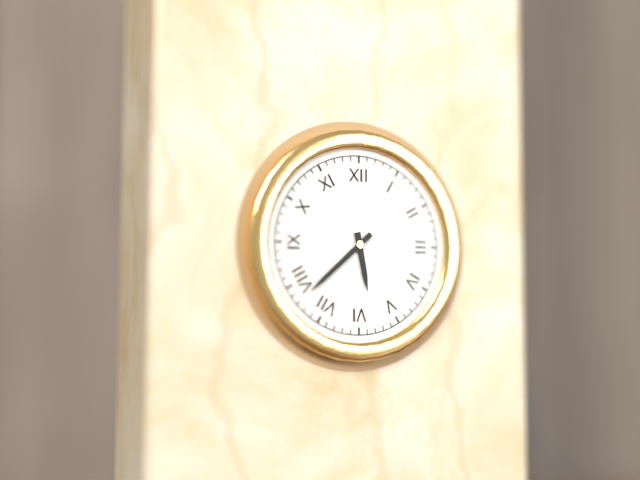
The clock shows 5 h 38 min
